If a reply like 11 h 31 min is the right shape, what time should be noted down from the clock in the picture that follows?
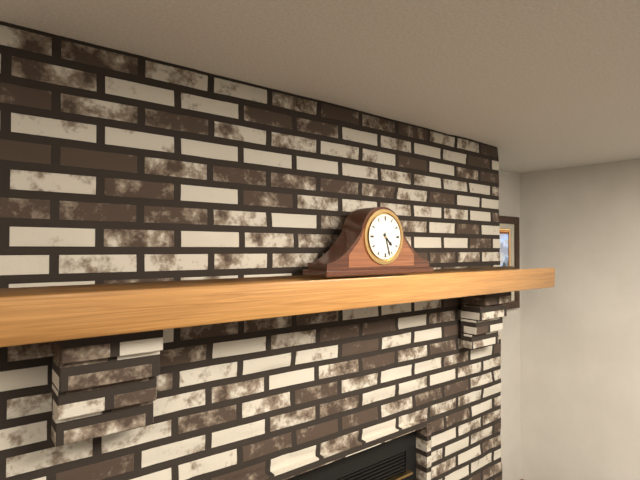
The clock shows 4 h 27 min
